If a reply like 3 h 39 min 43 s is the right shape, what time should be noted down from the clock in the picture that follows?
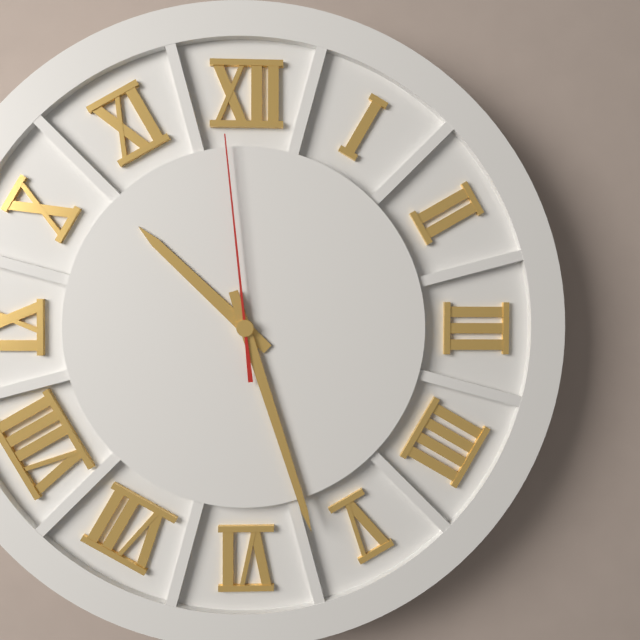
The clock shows 10 h 27 min 59 s
